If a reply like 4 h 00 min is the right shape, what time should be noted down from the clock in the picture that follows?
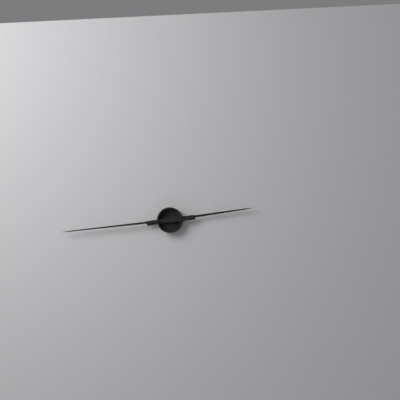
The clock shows 2 h 44 min
